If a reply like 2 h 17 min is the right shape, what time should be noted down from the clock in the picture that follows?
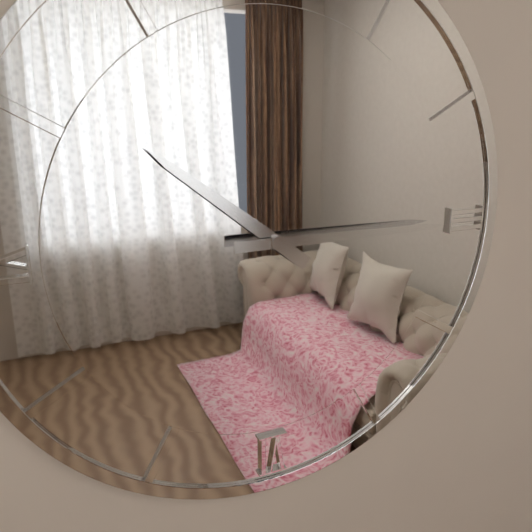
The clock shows 10 h 15 min
